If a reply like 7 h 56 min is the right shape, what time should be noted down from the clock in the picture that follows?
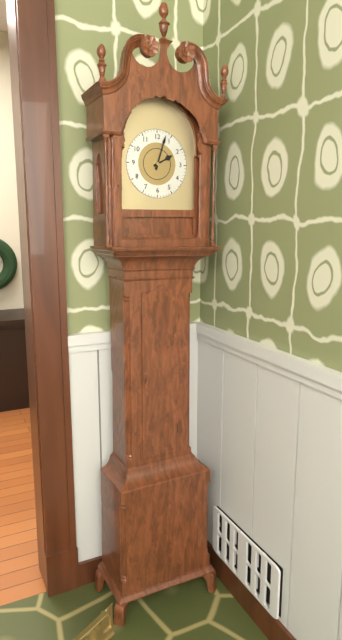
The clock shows 2 h 03 min
